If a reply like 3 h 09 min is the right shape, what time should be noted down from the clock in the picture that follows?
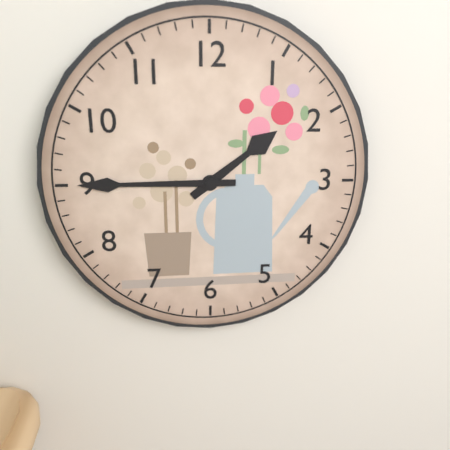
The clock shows 1 h 45 min
